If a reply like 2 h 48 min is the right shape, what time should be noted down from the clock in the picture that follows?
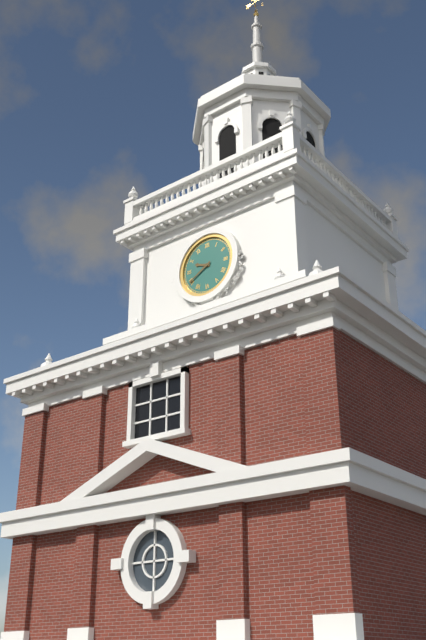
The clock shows 9 h 40 min
